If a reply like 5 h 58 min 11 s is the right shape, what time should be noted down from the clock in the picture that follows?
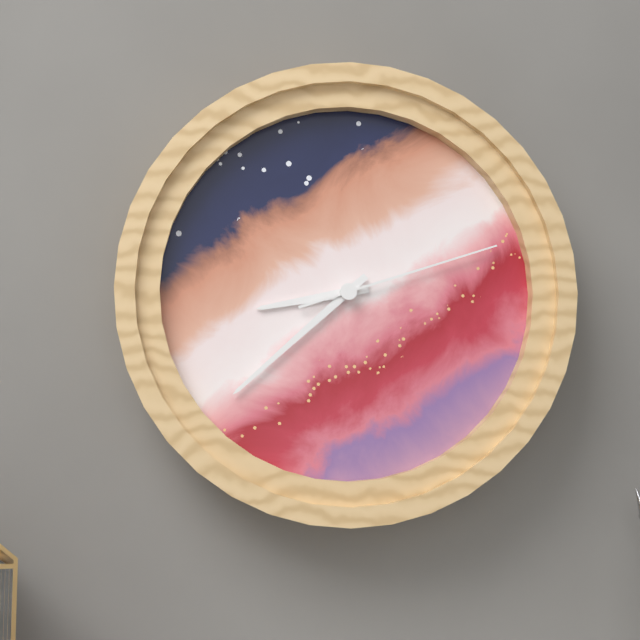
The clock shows 8 h 38 min 12 s
